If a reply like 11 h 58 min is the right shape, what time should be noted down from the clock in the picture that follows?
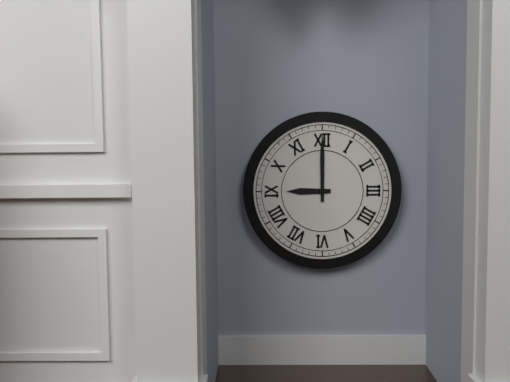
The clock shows 9 h 00 min
